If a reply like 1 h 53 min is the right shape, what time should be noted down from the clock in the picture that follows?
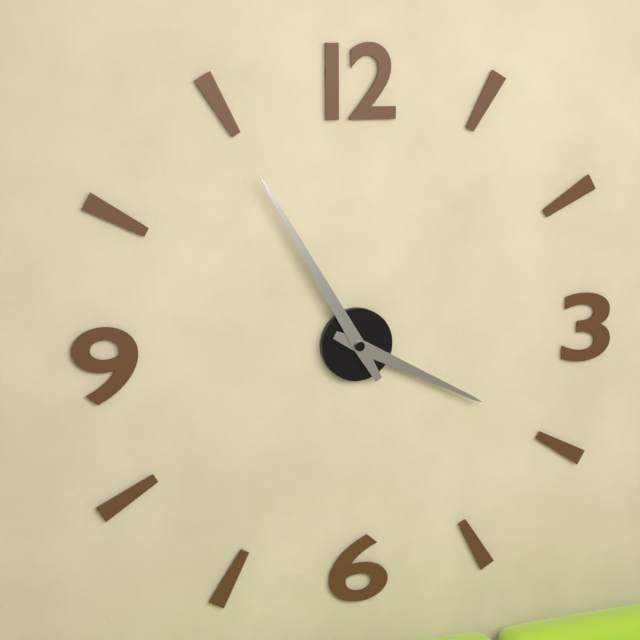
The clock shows 3 h 55 min
